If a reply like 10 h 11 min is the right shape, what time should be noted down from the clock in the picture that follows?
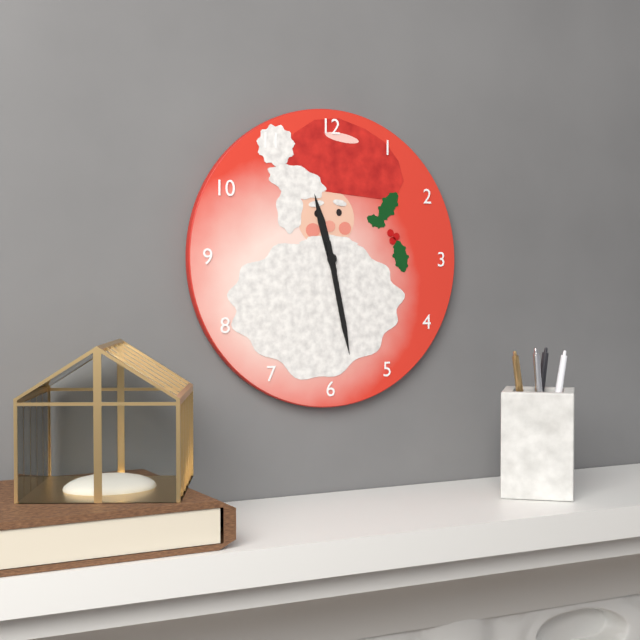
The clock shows 11 h 28 min
